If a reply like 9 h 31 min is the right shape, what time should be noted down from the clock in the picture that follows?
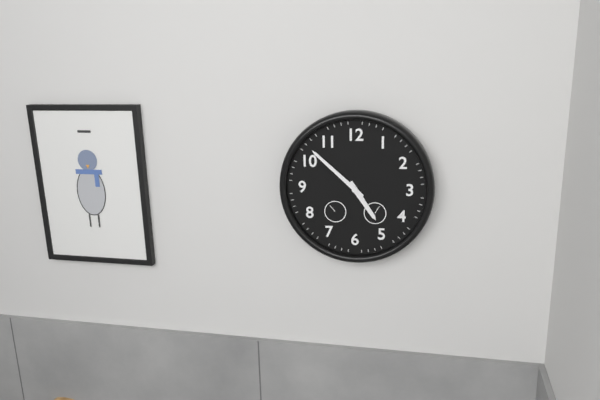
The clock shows 4 h 52 min
